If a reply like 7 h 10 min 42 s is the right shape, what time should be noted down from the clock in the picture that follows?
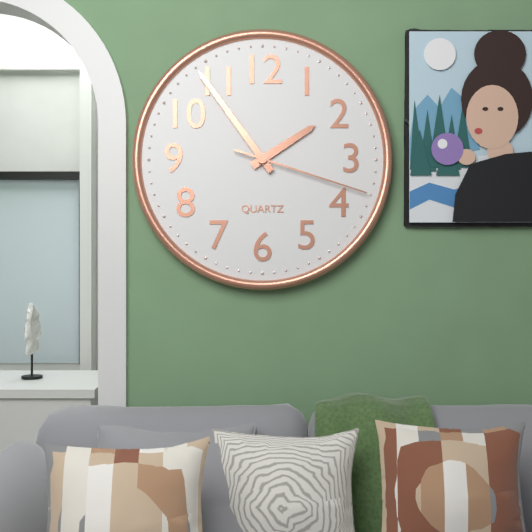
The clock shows 1 h 54 min 18 s
